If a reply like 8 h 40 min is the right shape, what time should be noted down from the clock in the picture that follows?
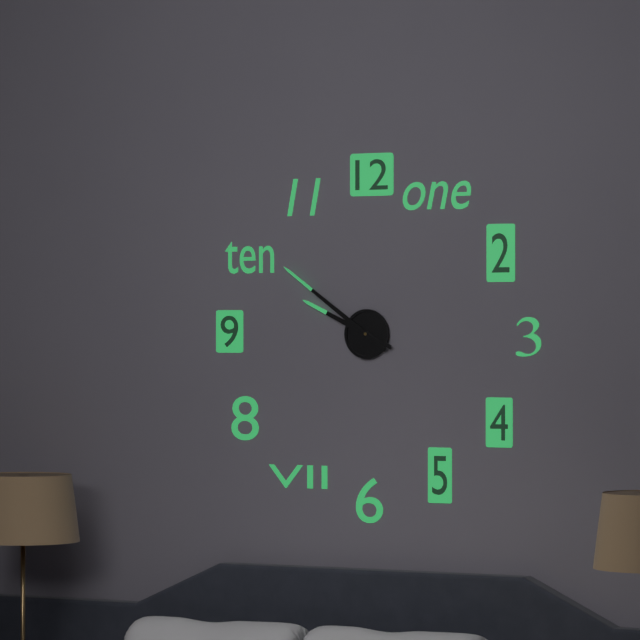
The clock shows 9 h 51 min
